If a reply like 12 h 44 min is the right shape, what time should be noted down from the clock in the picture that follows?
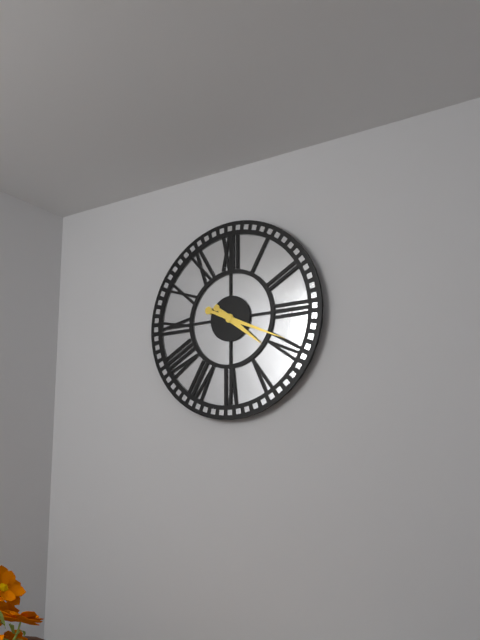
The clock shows 4 h 19 min
